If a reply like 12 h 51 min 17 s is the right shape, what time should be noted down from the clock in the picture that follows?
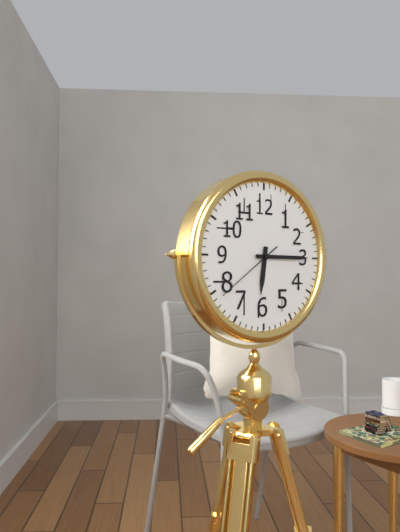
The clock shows 6 h 15 min 39 s
